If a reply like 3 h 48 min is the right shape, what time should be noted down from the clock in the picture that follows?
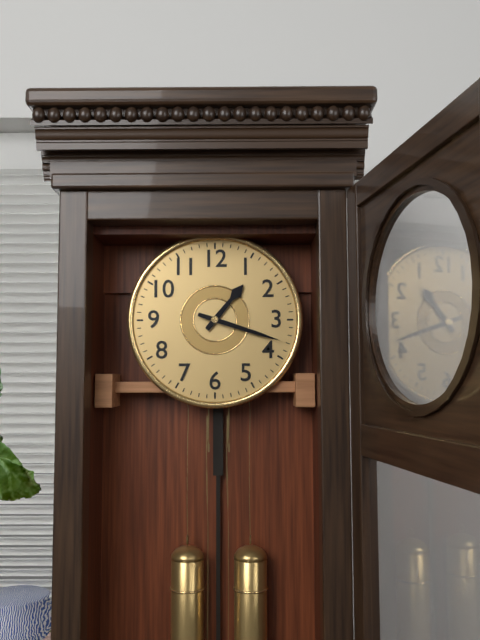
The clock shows 1 h 18 min
